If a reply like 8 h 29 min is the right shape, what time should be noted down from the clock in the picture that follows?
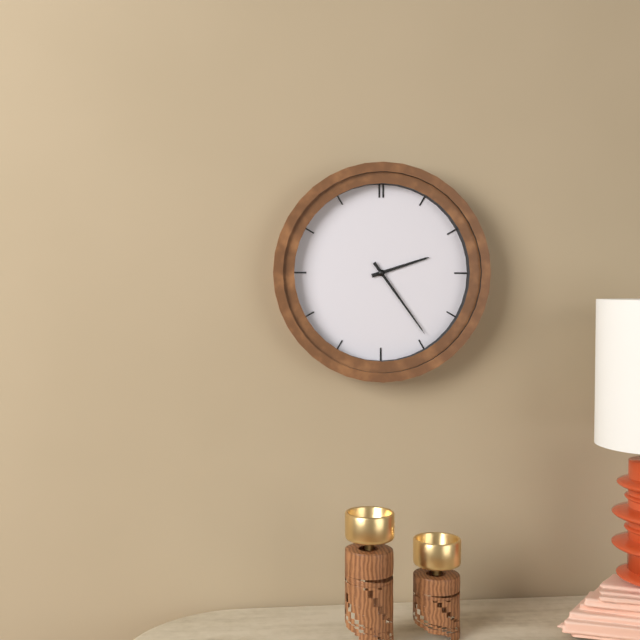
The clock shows 2 h 24 min
